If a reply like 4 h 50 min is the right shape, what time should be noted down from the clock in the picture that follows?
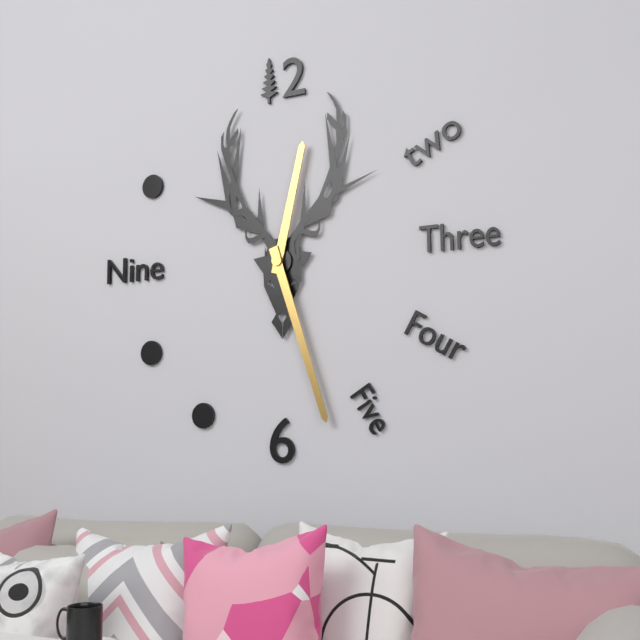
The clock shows 12 h 27 min
